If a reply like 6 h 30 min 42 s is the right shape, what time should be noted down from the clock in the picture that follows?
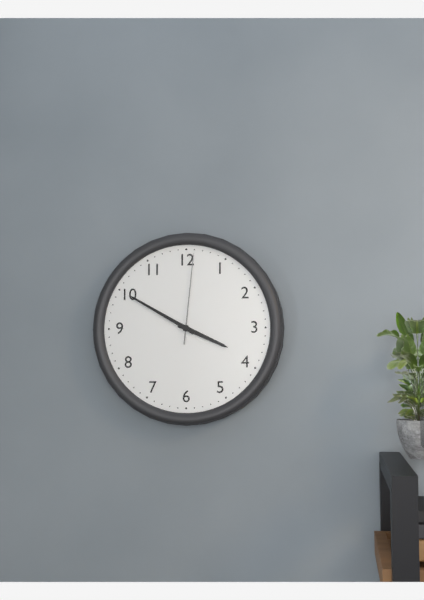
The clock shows 3 h 50 min 01 s
